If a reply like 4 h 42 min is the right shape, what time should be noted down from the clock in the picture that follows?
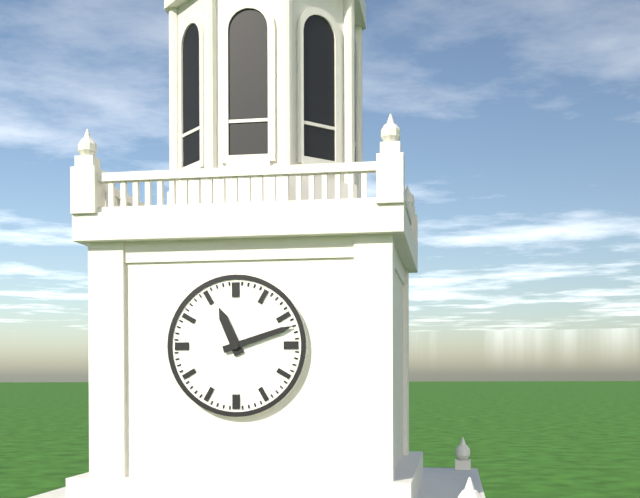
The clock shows 11 h 12 min
